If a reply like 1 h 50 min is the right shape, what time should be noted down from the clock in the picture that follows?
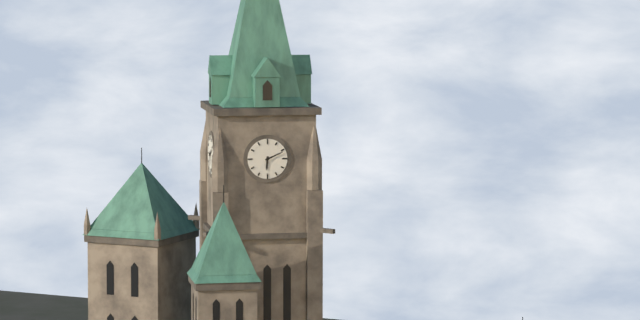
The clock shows 6 h 11 min
